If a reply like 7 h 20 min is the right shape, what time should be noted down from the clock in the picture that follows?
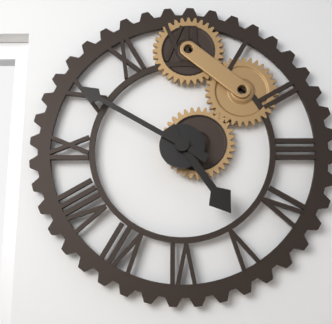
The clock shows 4 h 50 min
